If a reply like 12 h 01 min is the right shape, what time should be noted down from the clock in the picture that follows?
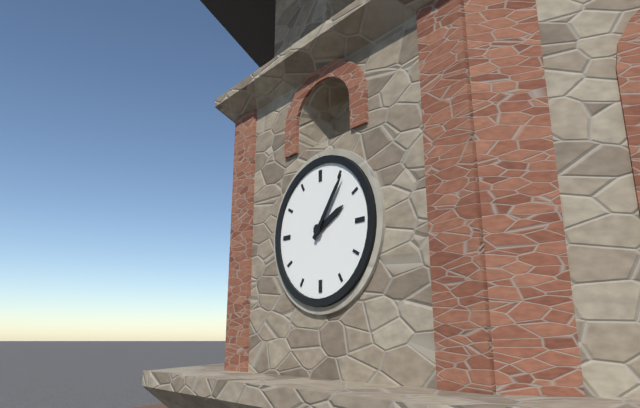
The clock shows 2 h 06 min
